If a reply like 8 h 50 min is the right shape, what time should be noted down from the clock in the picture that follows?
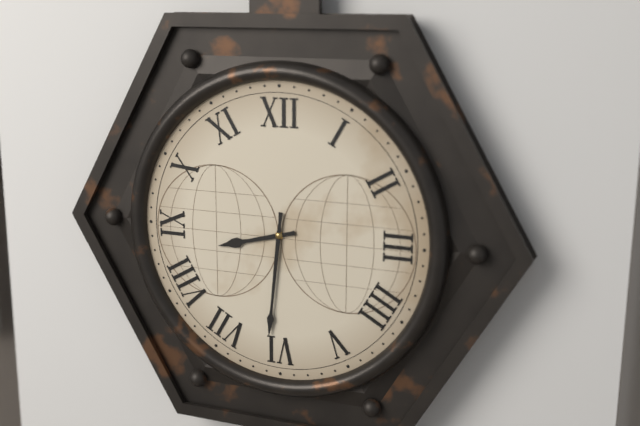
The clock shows 8 h 31 min
